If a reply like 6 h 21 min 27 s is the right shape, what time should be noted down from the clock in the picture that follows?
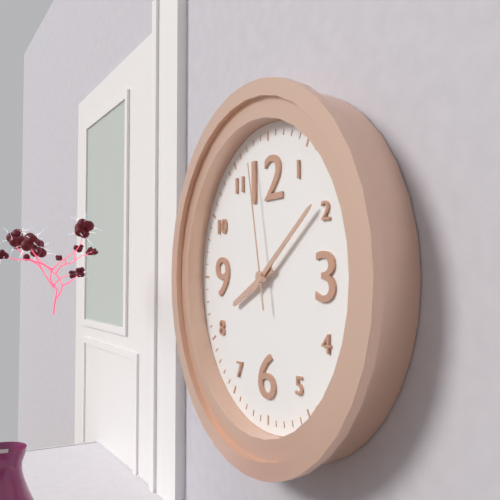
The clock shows 8 h 09 min 58 s
